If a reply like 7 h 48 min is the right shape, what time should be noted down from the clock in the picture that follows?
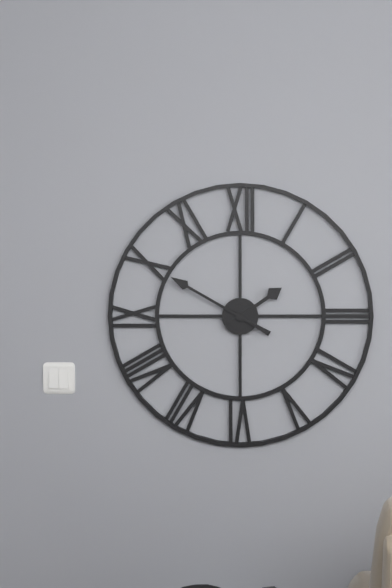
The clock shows 1 h 50 min
